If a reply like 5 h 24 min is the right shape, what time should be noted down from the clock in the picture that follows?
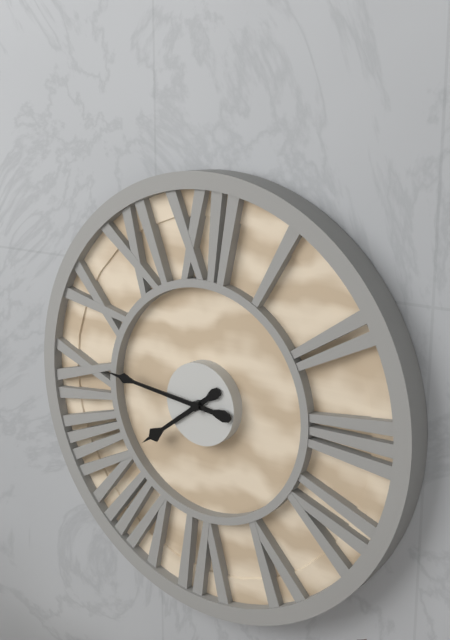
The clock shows 7 h 46 min
